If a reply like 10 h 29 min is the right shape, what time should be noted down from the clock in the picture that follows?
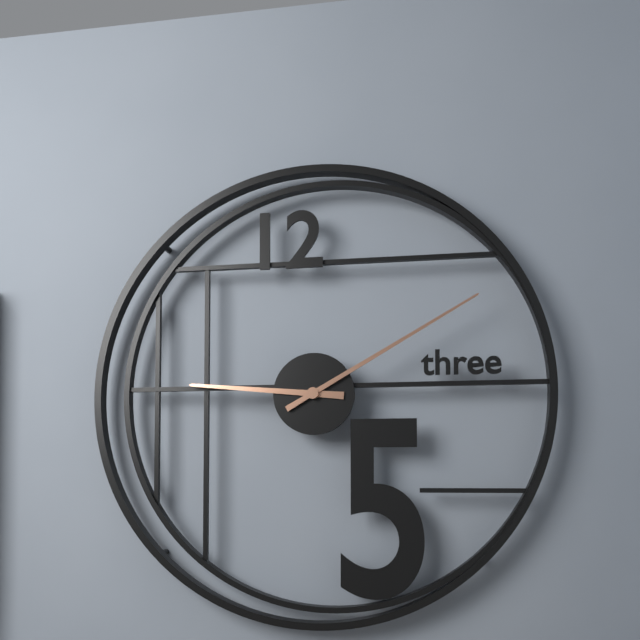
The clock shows 9 h 10 min
